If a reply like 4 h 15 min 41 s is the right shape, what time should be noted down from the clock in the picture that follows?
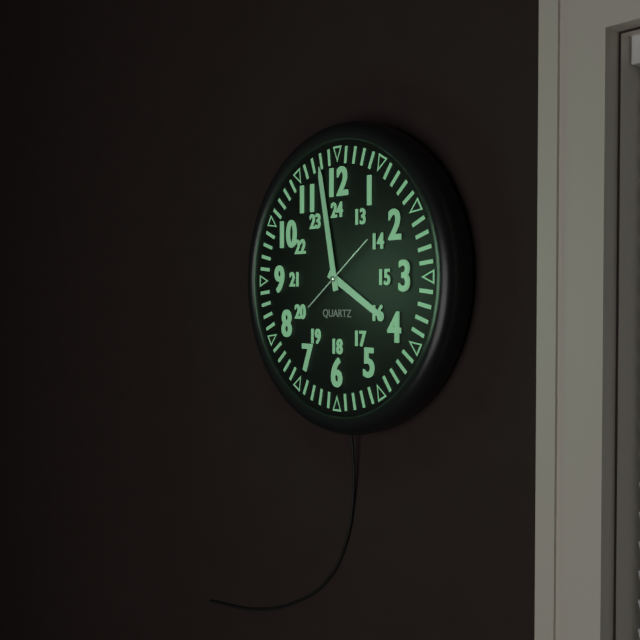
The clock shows 3 h 58 min 09 s
